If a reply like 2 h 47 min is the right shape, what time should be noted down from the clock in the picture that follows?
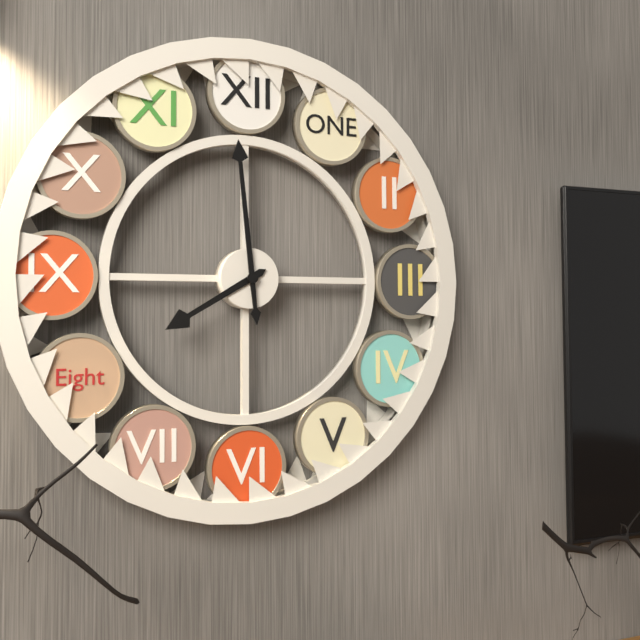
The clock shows 7 h 59 min
